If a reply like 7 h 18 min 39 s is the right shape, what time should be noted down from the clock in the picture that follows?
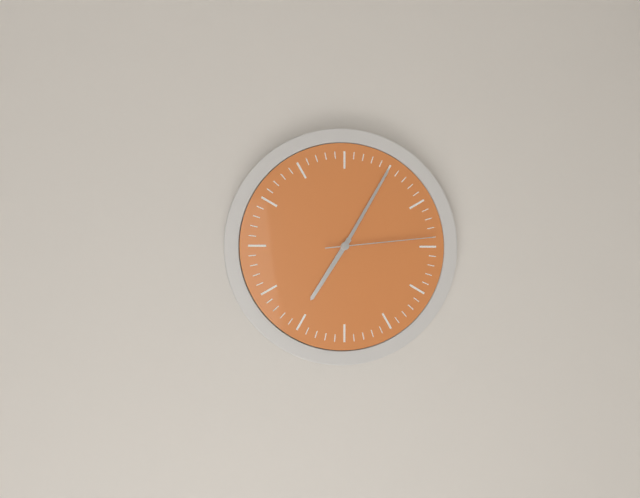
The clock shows 7 h 05 min 14 s
